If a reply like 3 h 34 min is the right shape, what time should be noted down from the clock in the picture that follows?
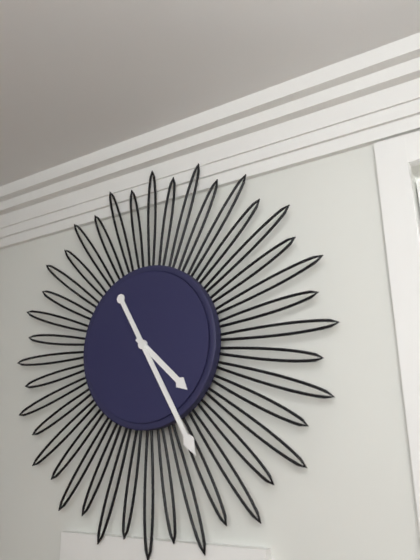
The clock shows 4 h 25 min
